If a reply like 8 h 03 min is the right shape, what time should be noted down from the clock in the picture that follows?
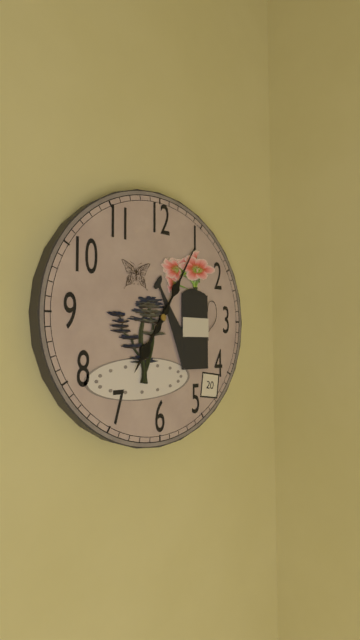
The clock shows 7 h 05 min
